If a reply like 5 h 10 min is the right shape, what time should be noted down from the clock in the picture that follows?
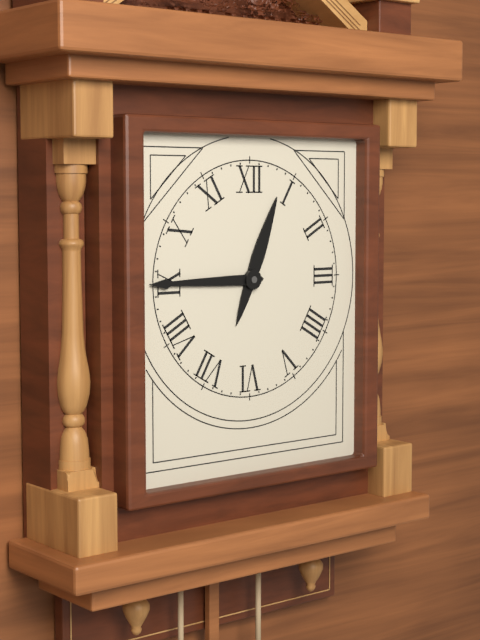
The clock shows 12 h 45 min
